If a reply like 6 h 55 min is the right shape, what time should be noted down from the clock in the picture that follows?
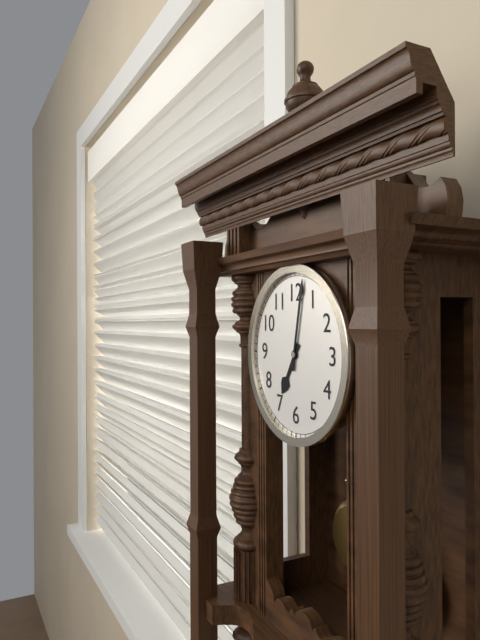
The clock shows 7 h 02 min
